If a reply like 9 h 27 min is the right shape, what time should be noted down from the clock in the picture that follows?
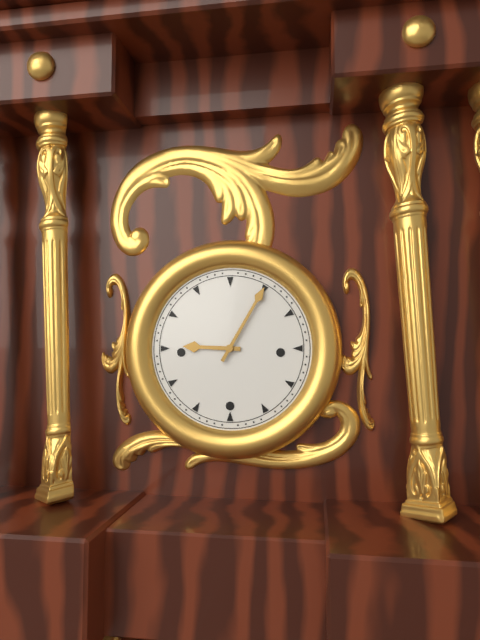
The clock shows 9 h 05 min
